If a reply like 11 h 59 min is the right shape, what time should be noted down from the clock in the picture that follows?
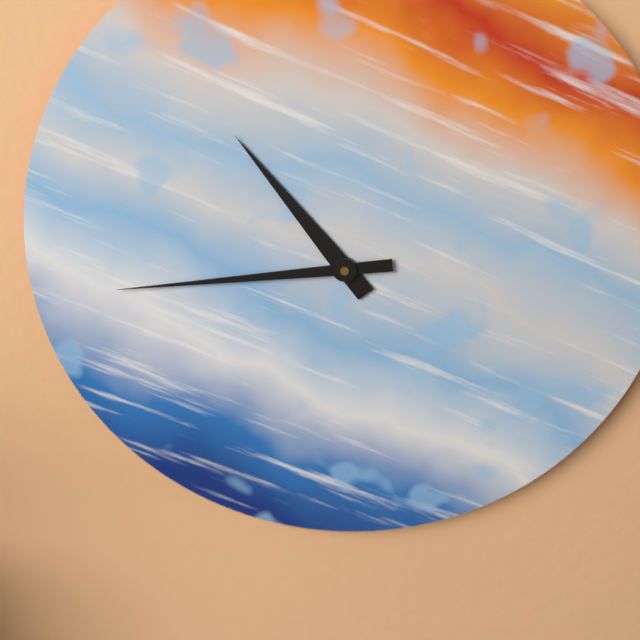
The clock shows 10 h 44 min
